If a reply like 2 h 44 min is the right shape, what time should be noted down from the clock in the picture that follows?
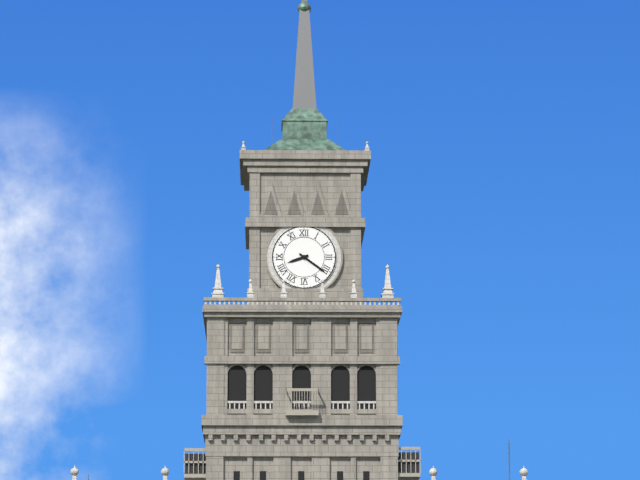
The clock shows 8 h 21 min
